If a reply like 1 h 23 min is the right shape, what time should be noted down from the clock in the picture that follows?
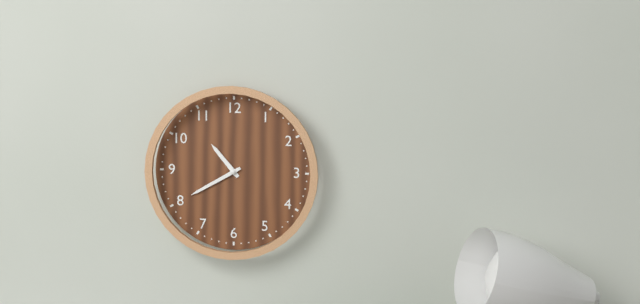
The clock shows 10 h 40 min
